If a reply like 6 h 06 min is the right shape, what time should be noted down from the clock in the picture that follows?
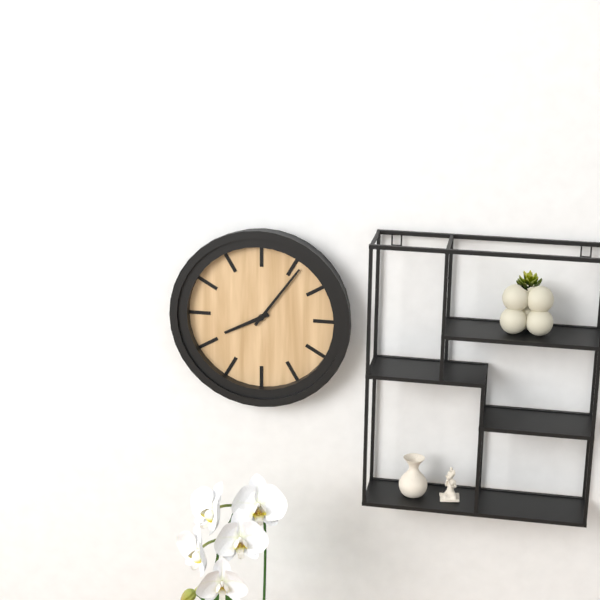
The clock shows 8 h 06 min
